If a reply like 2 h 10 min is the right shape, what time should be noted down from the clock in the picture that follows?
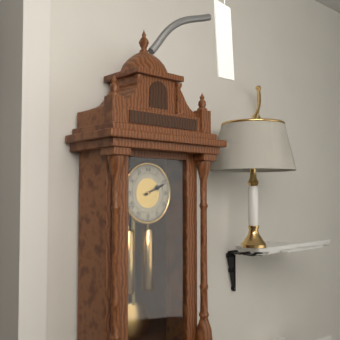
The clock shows 2 h 11 min
